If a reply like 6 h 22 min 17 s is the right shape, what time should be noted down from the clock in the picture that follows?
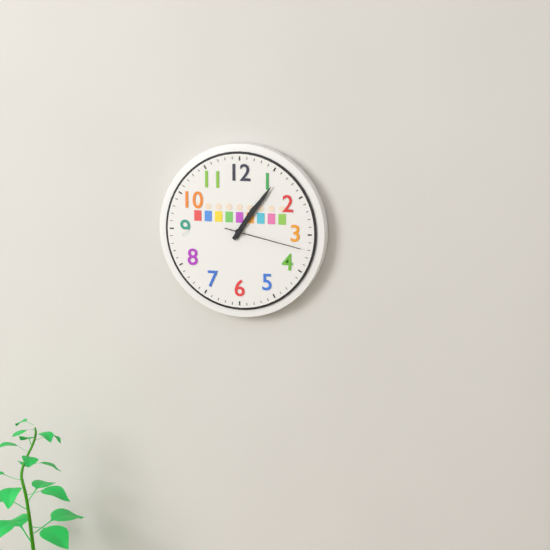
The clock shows 1 h 06 min 17 s
